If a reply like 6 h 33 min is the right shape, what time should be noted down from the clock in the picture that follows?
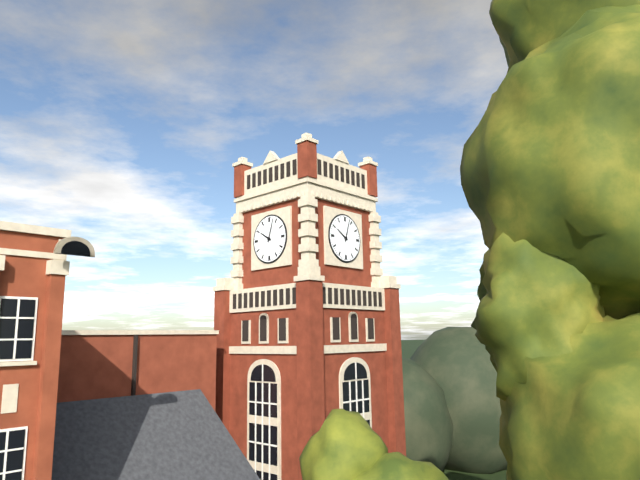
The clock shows 10 h 03 min
